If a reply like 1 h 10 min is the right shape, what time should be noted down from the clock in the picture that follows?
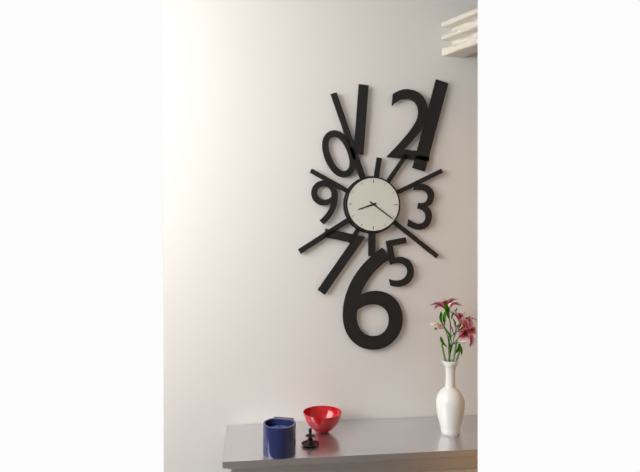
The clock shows 8 h 21 min
